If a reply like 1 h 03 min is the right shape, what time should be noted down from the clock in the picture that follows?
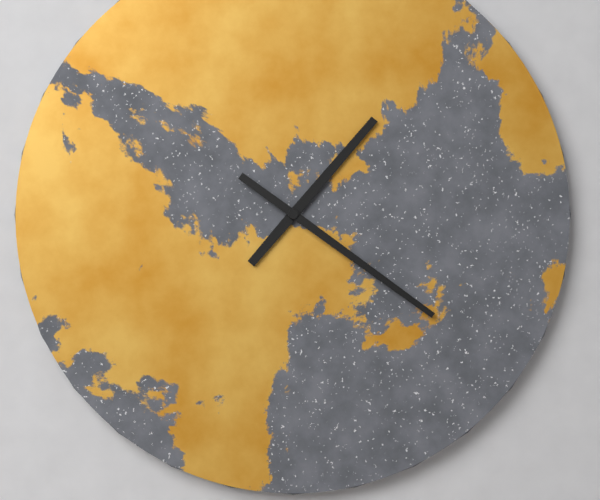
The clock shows 1 h 21 min
